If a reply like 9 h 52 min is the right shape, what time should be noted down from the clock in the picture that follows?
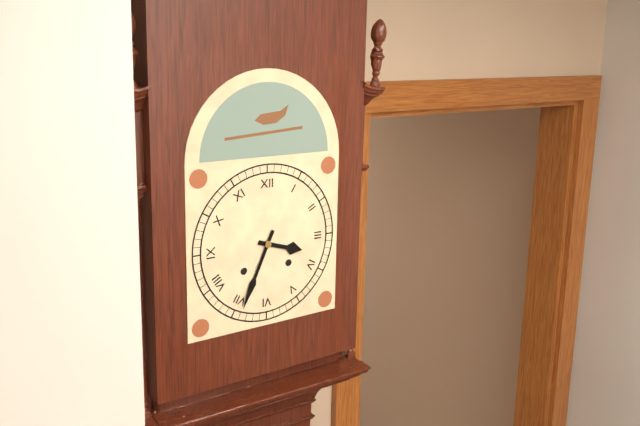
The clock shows 3 h 34 min
